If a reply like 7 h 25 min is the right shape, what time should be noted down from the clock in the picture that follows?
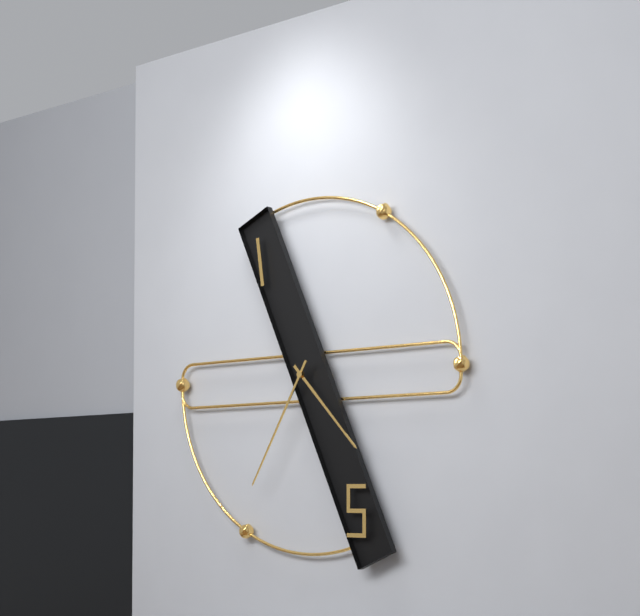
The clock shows 4 h 35 min
